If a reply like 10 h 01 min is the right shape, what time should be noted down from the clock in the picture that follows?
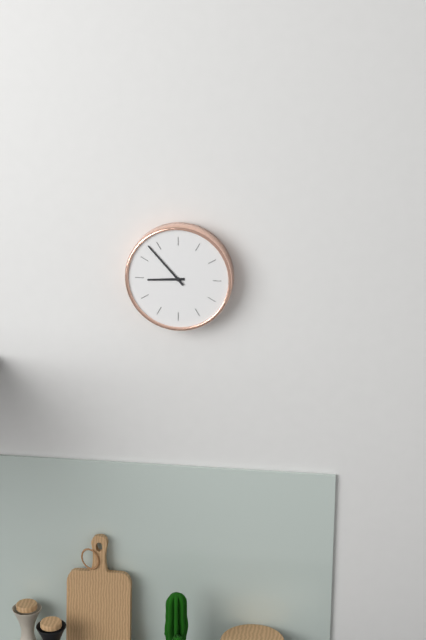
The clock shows 8 h 53 min
